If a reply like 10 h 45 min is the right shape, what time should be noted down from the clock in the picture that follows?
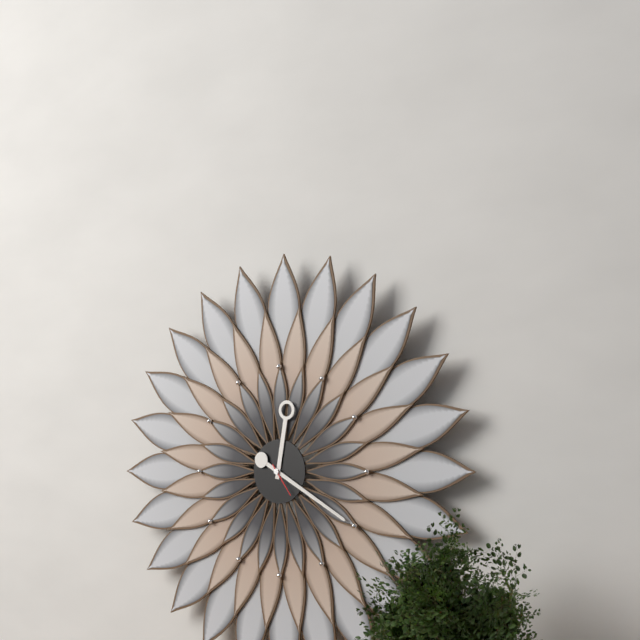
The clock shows 12 h 20 min
